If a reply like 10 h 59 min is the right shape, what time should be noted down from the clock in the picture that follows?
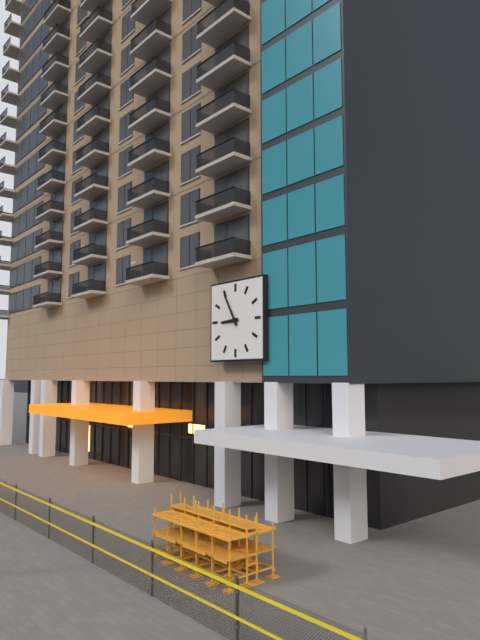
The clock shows 8 h 55 min
